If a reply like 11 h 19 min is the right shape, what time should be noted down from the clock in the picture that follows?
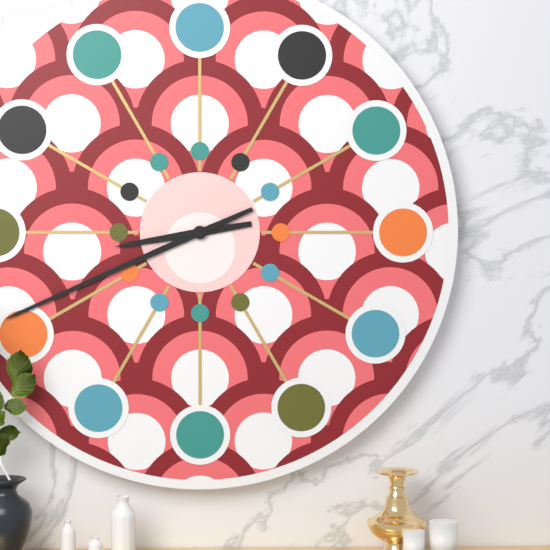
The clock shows 8 h 41 min
